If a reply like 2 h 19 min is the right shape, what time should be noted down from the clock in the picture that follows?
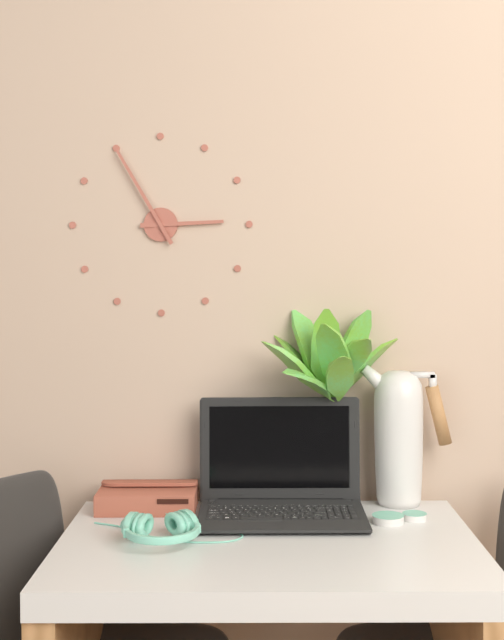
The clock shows 2 h 55 min
